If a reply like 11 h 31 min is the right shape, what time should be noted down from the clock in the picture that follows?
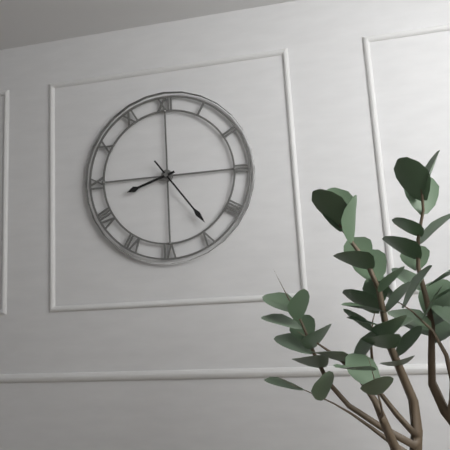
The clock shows 8 h 24 min
